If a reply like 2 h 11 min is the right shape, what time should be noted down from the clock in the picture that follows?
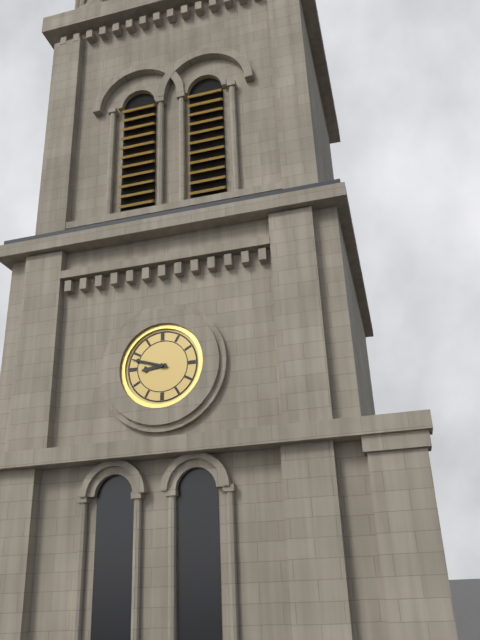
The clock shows 8 h 48 min
